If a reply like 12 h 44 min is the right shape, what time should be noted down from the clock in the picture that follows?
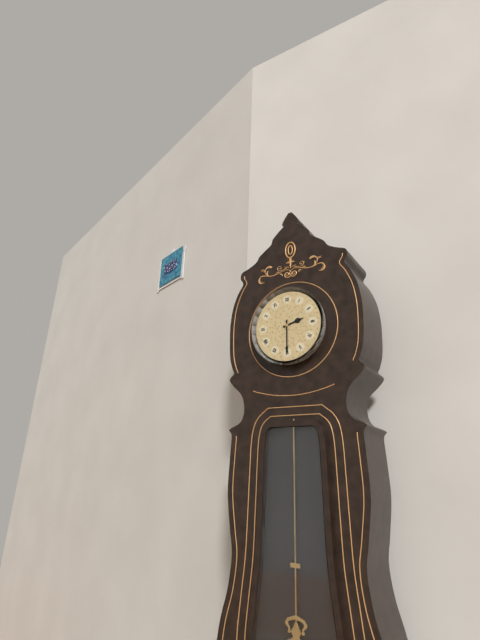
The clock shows 2 h 30 min
